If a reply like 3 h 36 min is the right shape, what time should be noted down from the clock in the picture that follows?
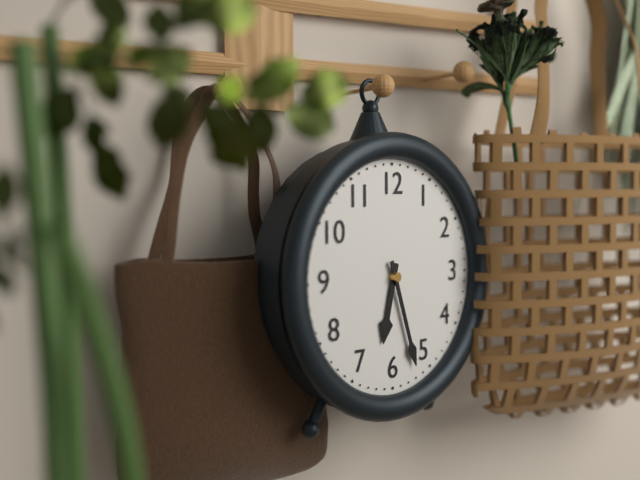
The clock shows 6 h 27 min
